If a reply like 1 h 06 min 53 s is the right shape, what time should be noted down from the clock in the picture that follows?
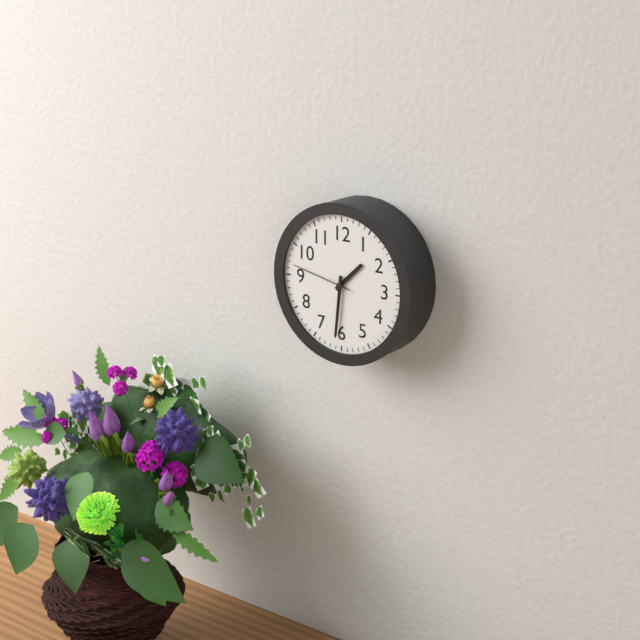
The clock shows 1 h 31 min 47 s
